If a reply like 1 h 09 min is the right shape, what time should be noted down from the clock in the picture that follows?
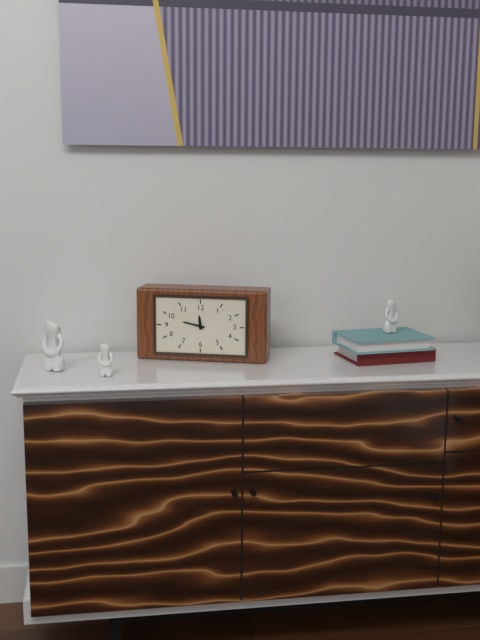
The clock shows 11 h 47 min
